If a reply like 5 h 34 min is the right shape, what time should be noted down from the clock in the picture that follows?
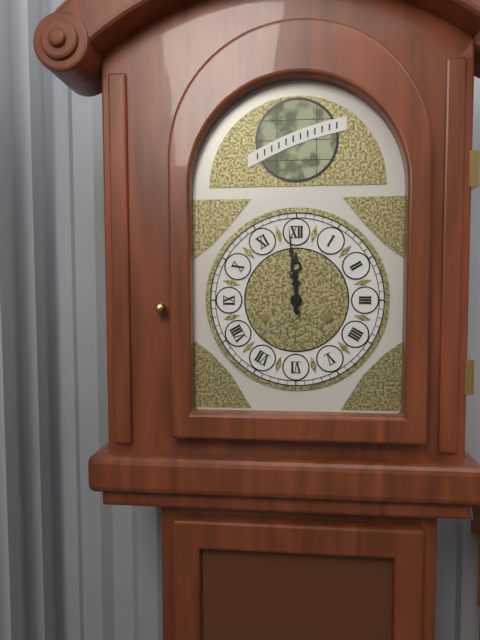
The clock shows 11 h 59 min
